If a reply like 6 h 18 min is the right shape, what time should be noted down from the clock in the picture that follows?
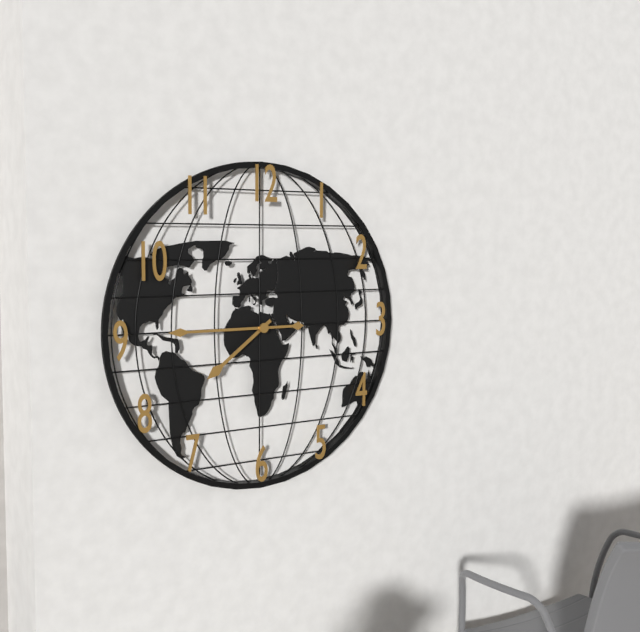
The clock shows 7 h 45 min
